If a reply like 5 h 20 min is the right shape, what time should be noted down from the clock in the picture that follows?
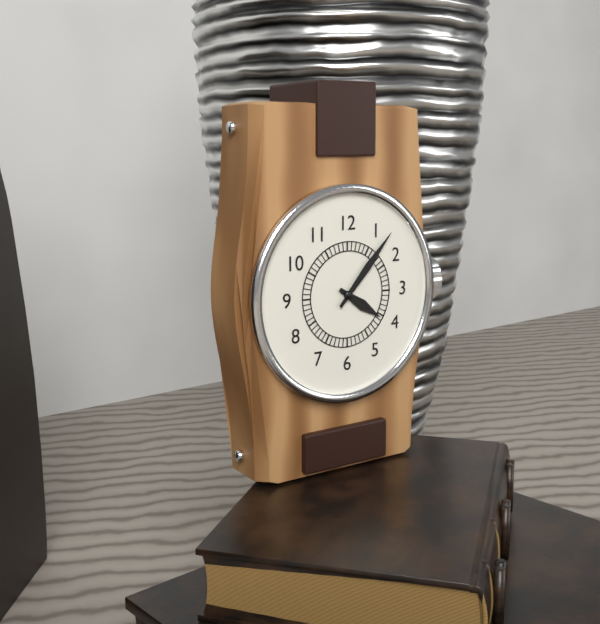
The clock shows 4 h 07 min
